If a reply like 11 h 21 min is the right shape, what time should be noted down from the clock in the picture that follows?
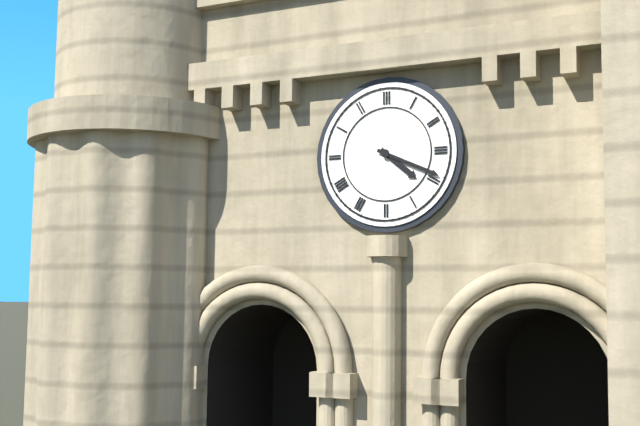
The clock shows 4 h 19 min
